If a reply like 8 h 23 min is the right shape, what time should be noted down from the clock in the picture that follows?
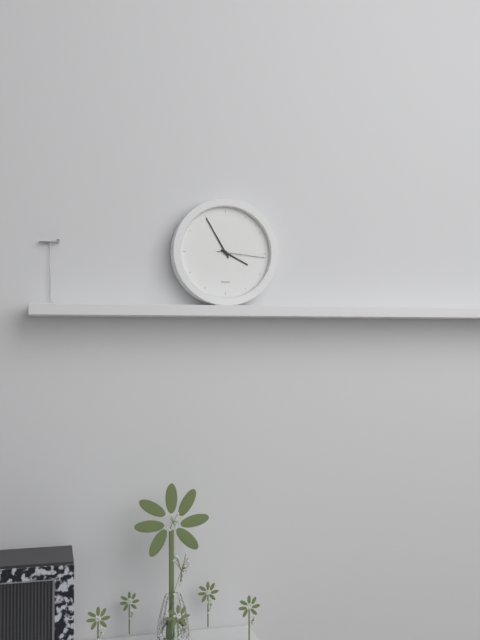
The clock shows 3 h 55 min
